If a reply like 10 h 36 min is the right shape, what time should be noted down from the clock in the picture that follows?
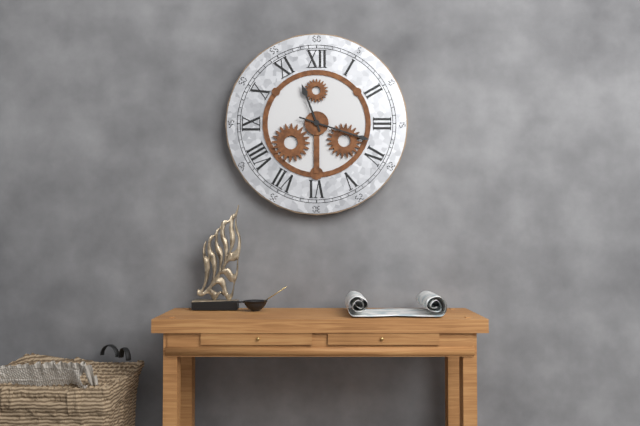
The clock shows 11 h 18 min
